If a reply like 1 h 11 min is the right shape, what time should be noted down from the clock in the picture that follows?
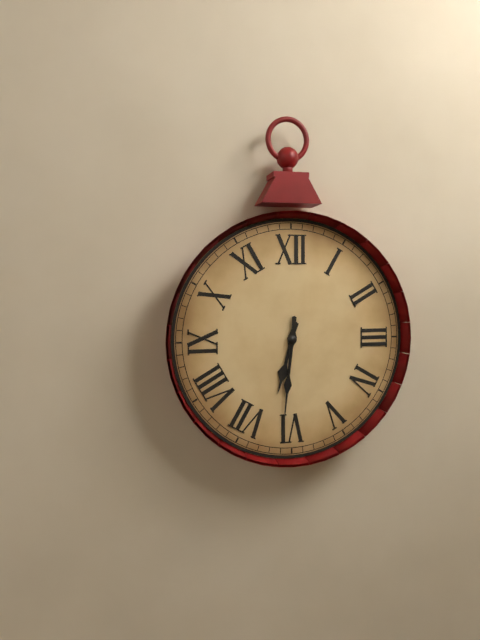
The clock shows 6 h 31 min
